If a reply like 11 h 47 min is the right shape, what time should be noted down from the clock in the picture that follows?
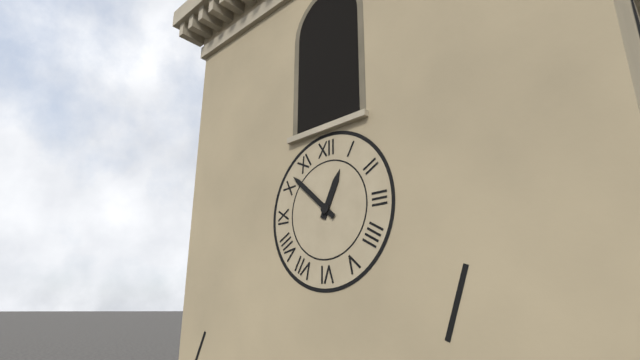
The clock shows 12 h 52 min
